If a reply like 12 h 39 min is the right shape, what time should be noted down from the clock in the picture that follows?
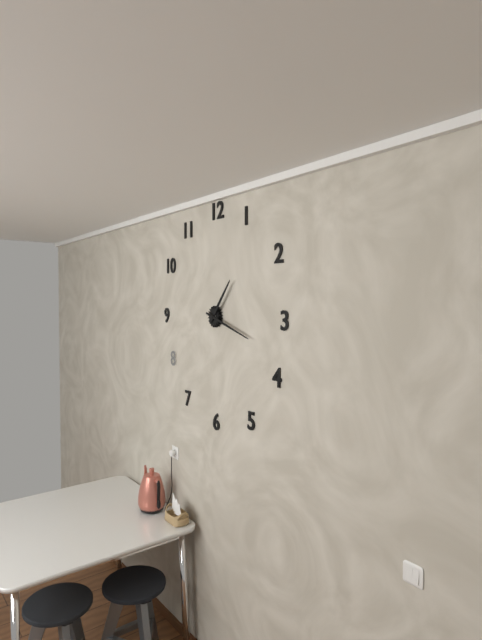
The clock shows 1 h 18 min
